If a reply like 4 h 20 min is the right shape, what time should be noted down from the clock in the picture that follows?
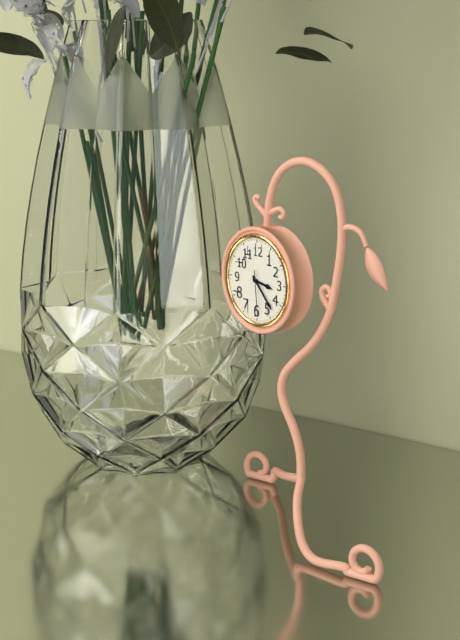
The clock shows 3 h 23 min
